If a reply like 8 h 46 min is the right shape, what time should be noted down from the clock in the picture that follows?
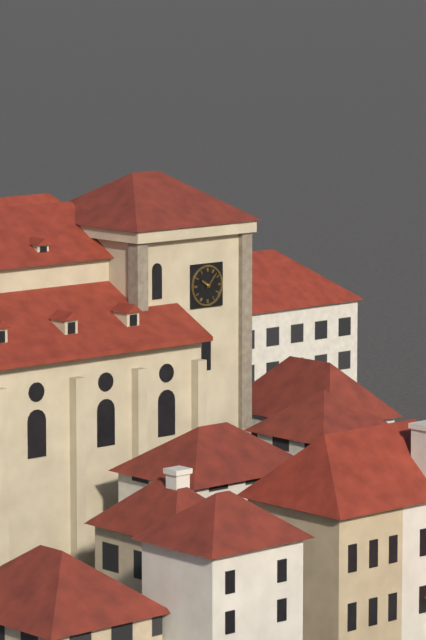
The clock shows 10 h 07 min
